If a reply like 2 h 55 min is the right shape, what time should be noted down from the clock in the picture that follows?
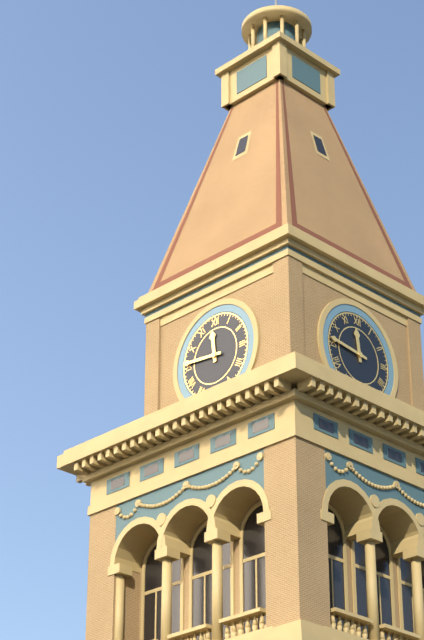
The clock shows 11 h 46 min
